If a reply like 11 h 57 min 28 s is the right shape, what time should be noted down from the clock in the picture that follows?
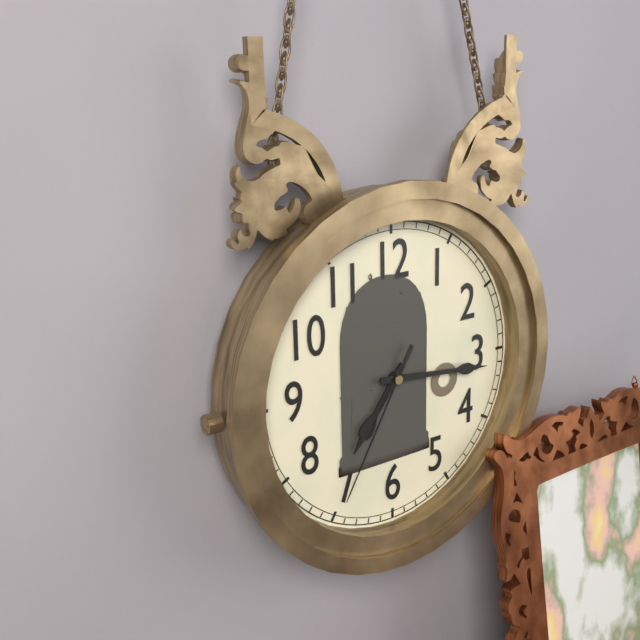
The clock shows 7 h 16 min 35 s
